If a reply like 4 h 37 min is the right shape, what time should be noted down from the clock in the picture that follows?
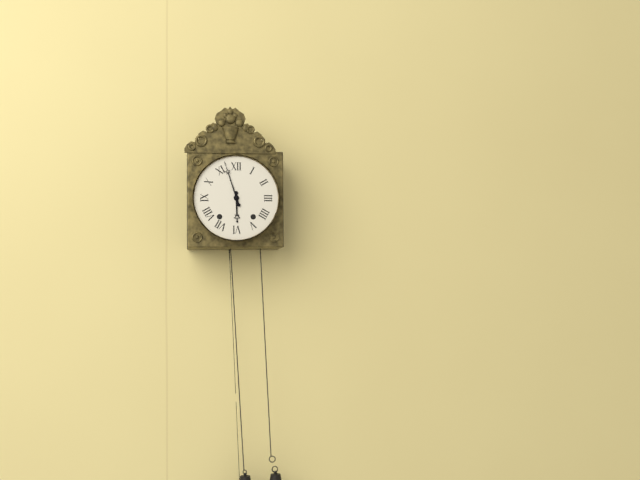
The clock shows 5 h 57 min
